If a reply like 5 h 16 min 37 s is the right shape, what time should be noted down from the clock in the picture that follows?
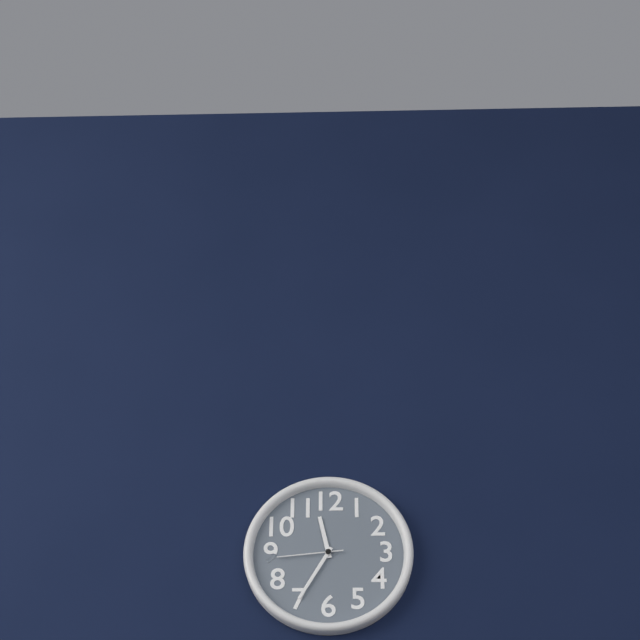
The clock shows 11 h 35 min 44 s
